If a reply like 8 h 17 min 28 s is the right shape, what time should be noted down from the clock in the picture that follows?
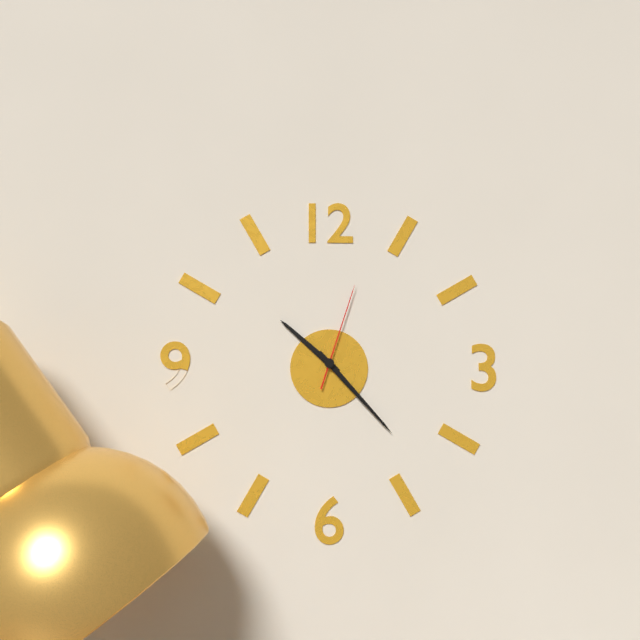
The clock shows 10 h 23 min 03 s
